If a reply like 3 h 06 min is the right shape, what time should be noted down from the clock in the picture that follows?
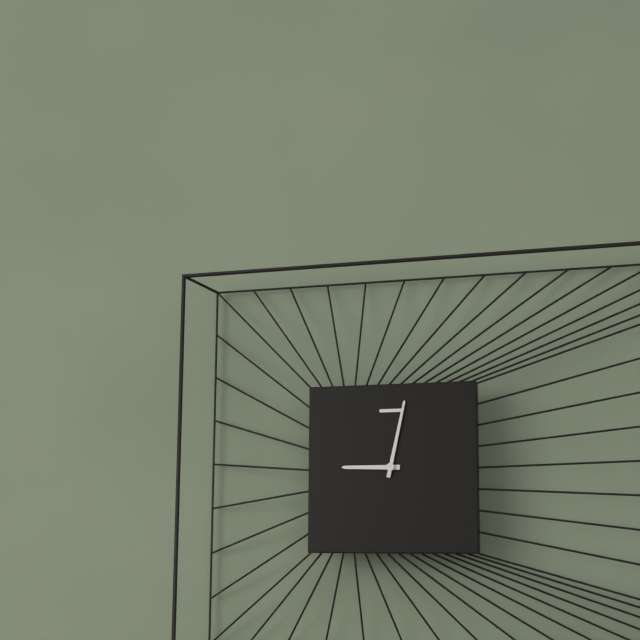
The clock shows 9 h 02 min
